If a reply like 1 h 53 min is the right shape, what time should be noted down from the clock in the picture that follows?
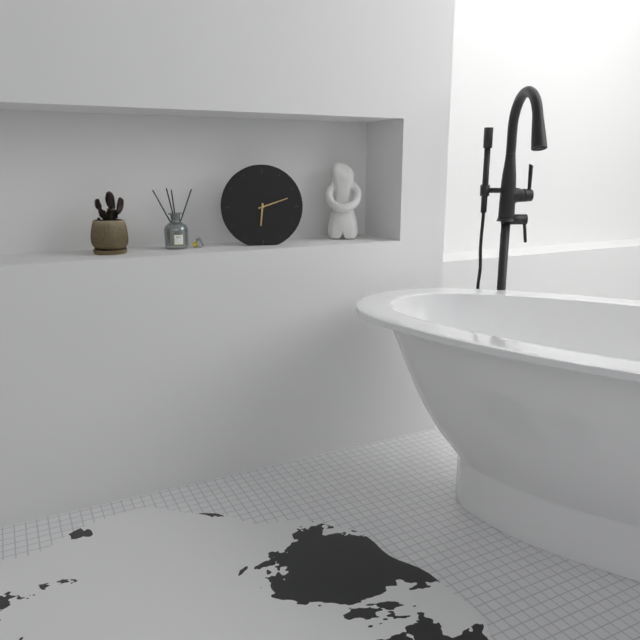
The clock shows 6 h 12 min
